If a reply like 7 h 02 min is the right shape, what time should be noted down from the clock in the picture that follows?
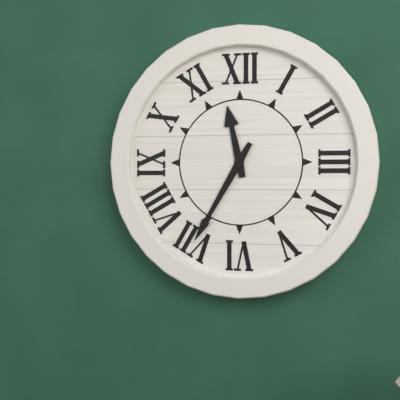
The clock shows 11 h 35 min
